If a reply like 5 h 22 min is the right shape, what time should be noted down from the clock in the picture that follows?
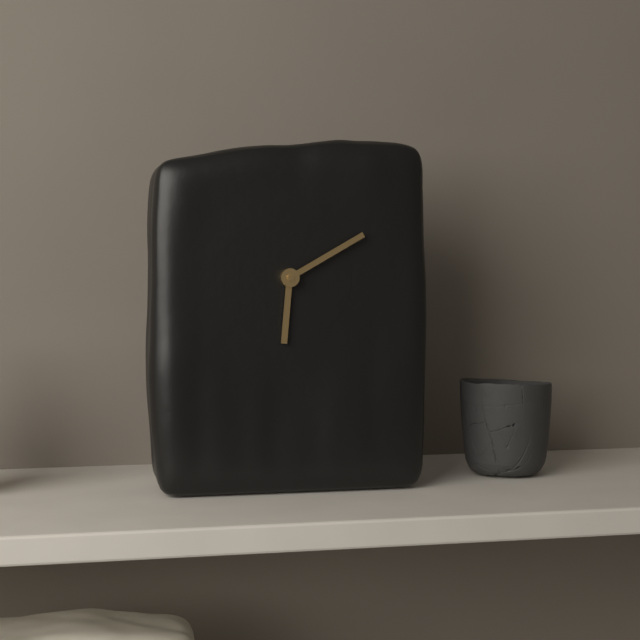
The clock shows 6 h 10 min
